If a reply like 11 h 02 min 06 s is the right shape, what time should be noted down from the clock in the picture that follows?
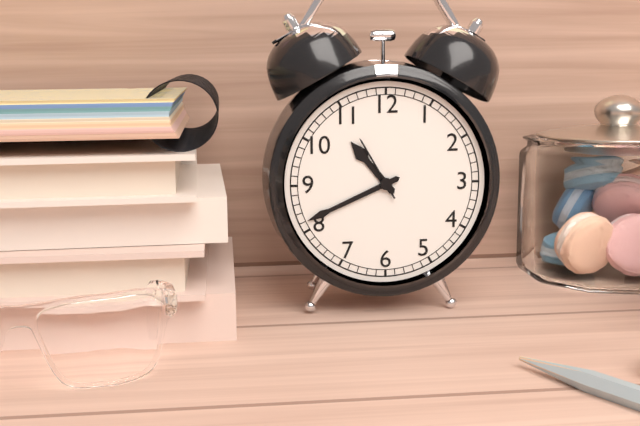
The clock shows 10 h 41 min 55 s
